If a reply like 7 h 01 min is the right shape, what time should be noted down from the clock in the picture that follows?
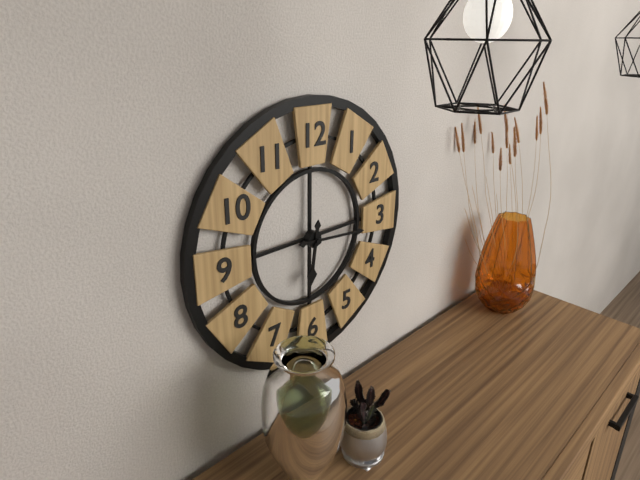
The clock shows 6 h 16 min
